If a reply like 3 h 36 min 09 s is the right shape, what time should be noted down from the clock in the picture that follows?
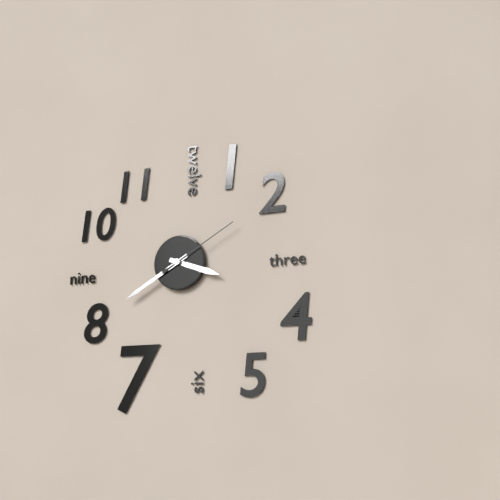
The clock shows 3 h 40 min 10 s
